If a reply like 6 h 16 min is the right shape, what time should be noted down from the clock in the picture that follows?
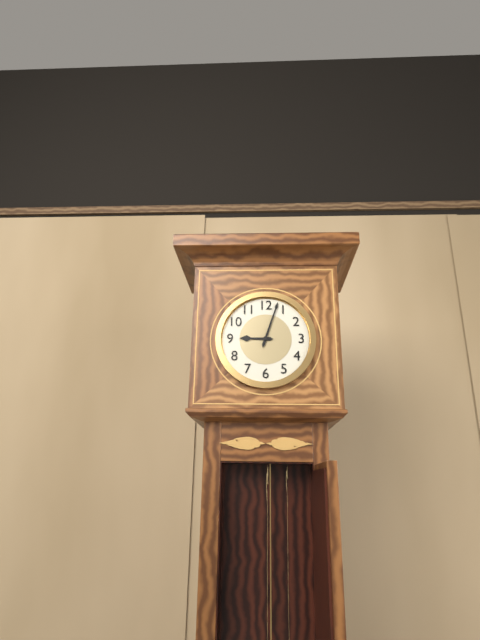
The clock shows 9 h 03 min
